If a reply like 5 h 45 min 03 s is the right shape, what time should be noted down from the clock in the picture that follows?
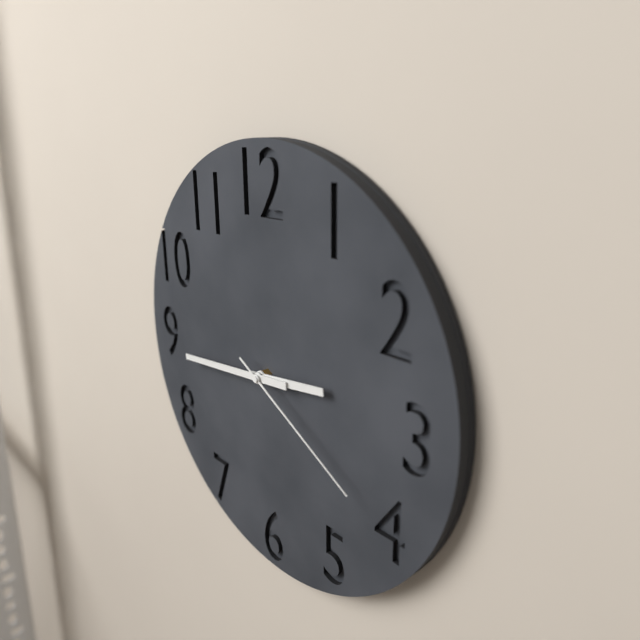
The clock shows 2 h 44 min 20 s
